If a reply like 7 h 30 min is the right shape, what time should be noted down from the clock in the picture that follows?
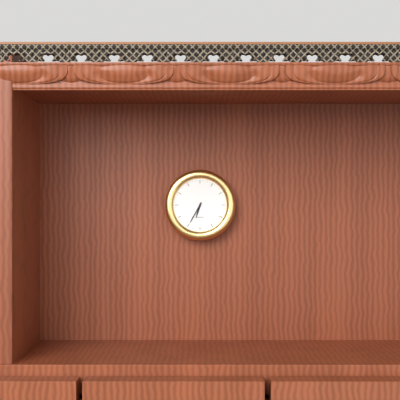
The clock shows 6 h 35 min
